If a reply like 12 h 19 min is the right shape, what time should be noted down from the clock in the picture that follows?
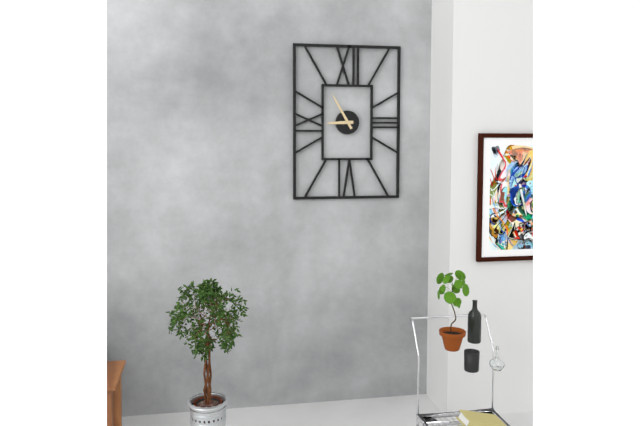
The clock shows 8 h 55 min
